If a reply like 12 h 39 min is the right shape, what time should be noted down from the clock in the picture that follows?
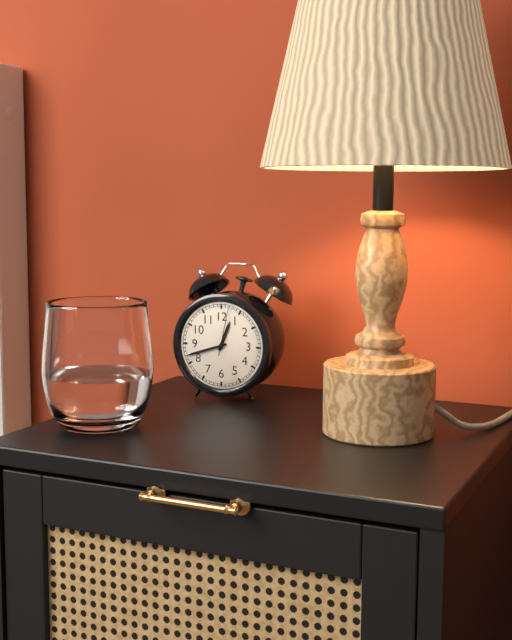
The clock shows 12 h 42 min
